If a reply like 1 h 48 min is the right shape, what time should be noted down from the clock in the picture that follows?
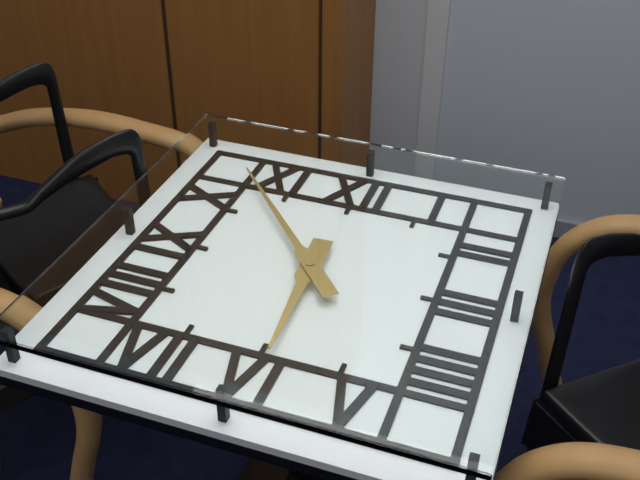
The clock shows 5 h 53 min
